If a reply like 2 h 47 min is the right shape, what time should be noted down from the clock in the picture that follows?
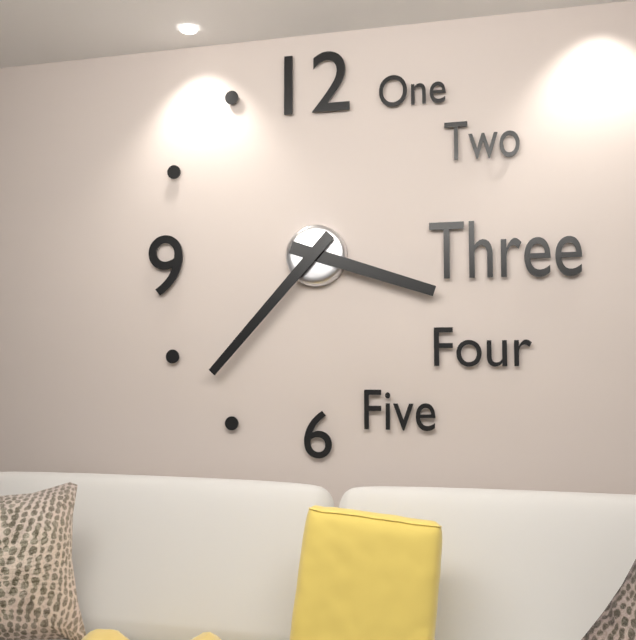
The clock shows 3 h 37 min
